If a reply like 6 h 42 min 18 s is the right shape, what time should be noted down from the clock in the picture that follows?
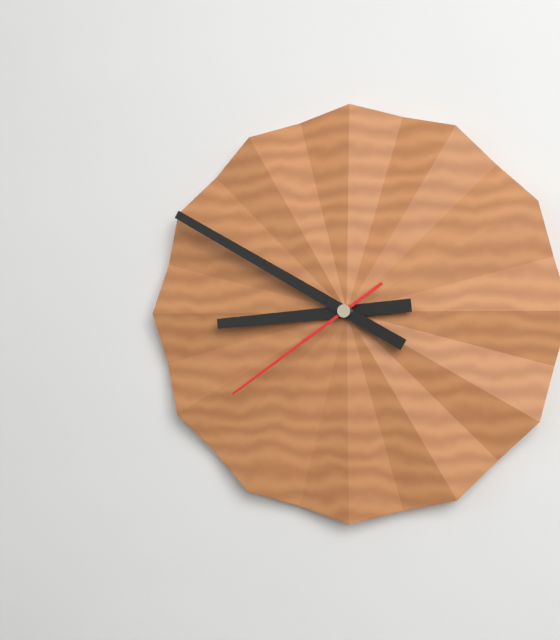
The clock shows 8 h 50 min 39 s
